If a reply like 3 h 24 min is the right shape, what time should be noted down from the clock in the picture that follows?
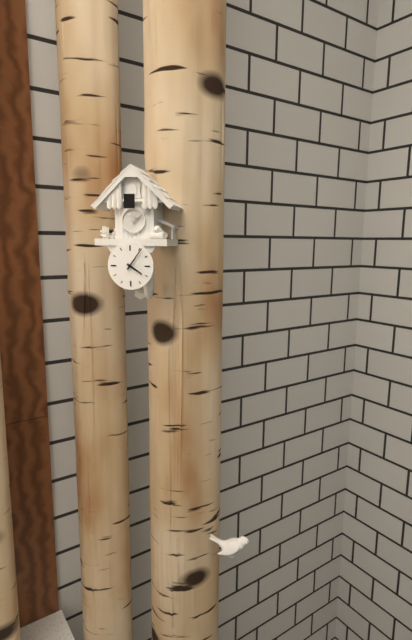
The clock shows 4 h 06 min
